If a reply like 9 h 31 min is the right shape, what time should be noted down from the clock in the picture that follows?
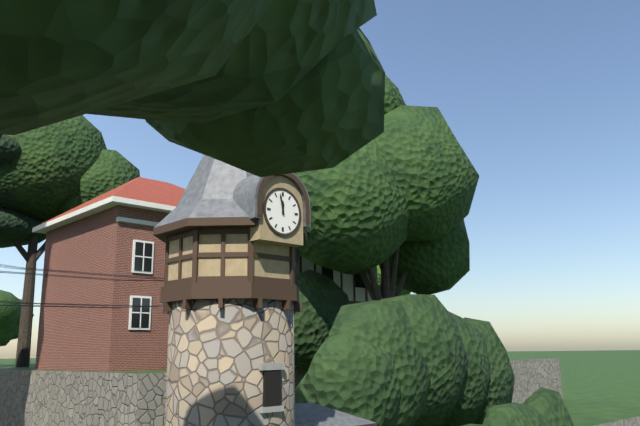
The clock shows 11 h 58 min
